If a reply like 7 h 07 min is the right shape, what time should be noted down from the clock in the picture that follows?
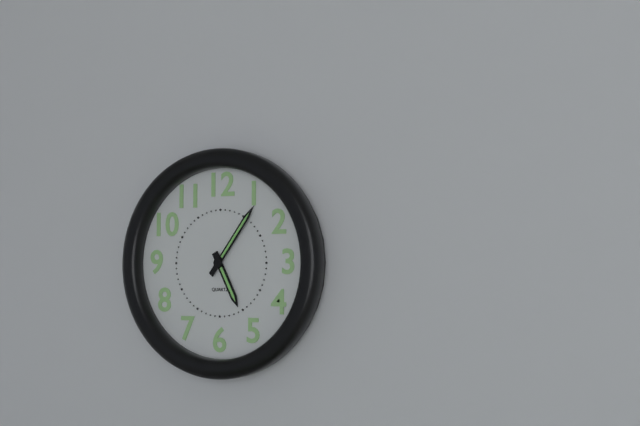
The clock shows 5 h 06 min
